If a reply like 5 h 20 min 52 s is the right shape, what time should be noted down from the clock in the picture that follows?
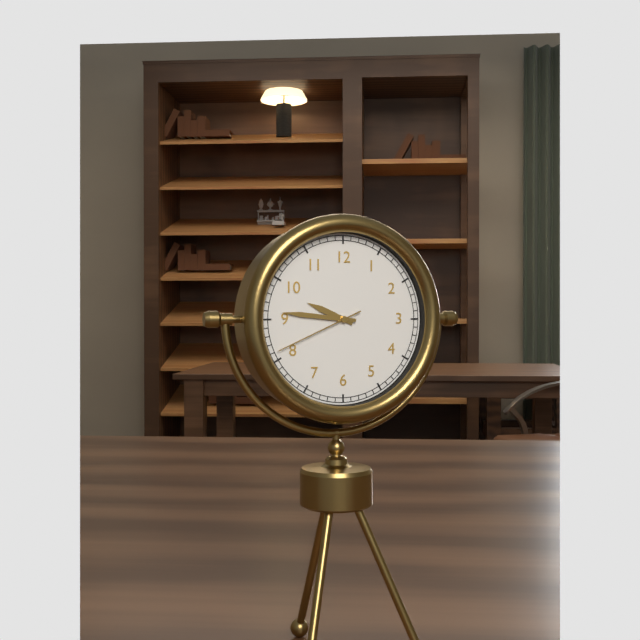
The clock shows 9 h 46 min 41 s
